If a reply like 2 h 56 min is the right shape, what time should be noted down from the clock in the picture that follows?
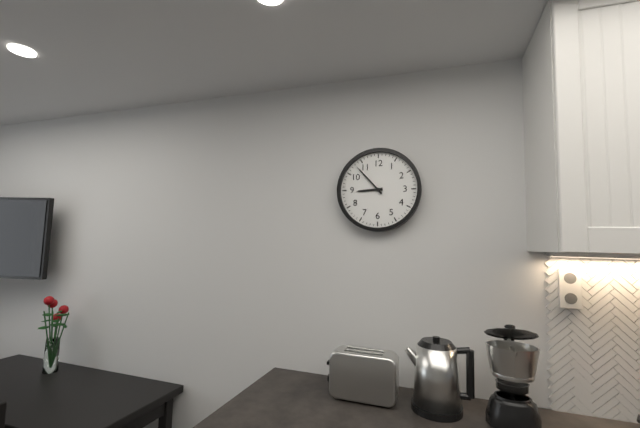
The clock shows 8 h 53 min
